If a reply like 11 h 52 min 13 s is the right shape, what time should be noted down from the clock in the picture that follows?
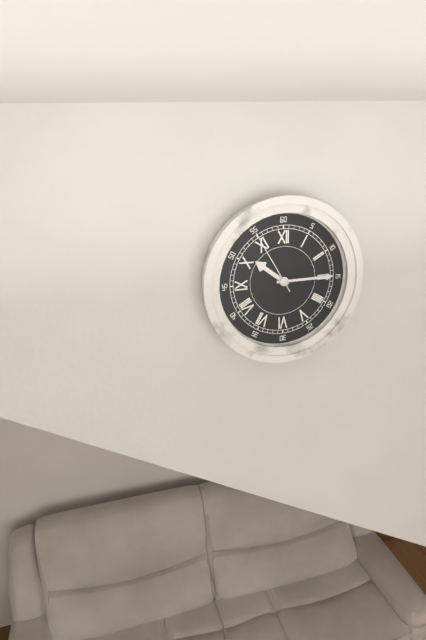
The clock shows 10 h 15 min 55 s
